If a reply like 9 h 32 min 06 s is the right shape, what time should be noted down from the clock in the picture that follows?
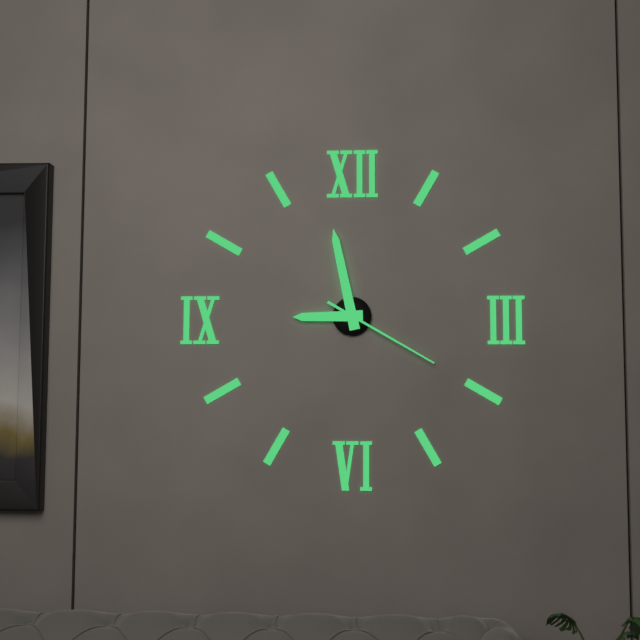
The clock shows 8 h 58 min 20 s
